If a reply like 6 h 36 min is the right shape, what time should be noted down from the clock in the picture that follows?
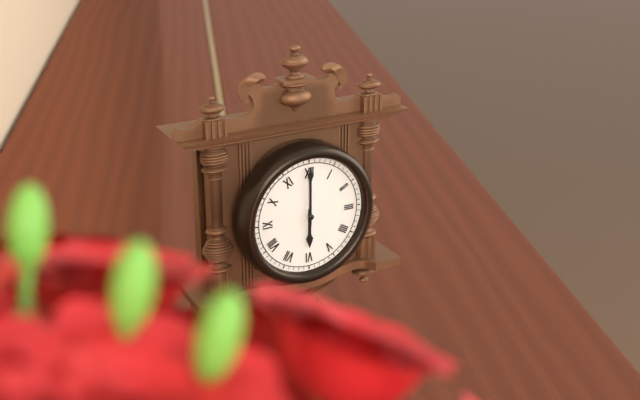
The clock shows 6 h 00 min
